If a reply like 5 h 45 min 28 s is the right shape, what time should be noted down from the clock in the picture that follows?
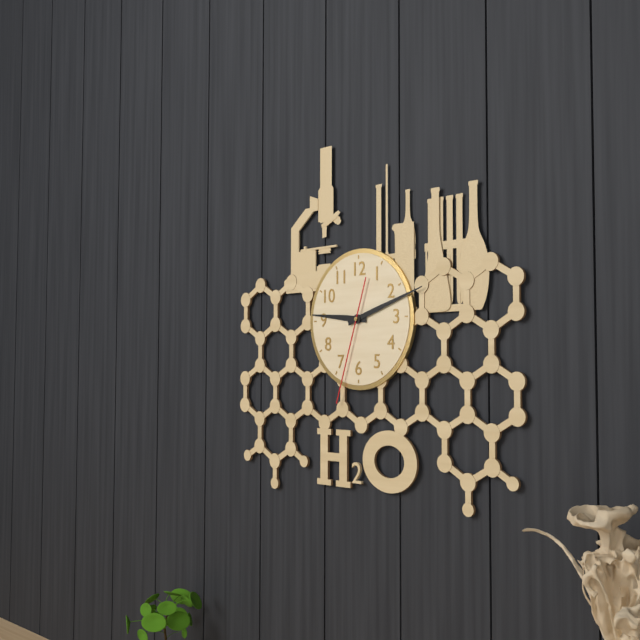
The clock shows 9 h 12 min 33 s
